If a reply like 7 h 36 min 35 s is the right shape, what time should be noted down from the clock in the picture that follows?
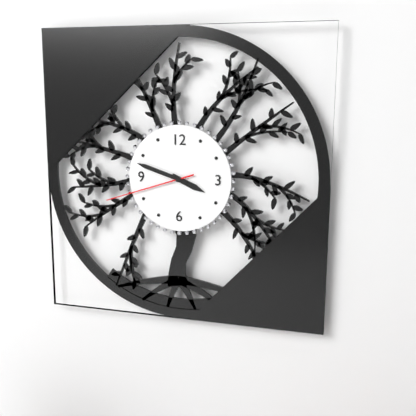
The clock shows 3 h 48 min 42 s
